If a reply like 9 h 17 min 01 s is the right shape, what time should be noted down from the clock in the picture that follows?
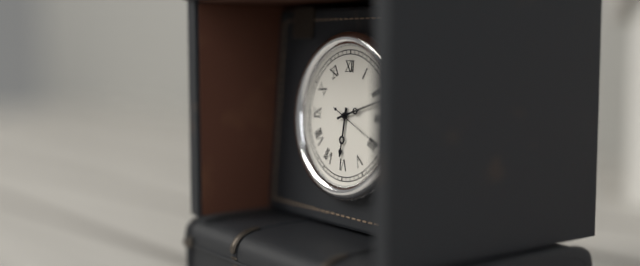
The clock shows 6 h 12 min 19 s
